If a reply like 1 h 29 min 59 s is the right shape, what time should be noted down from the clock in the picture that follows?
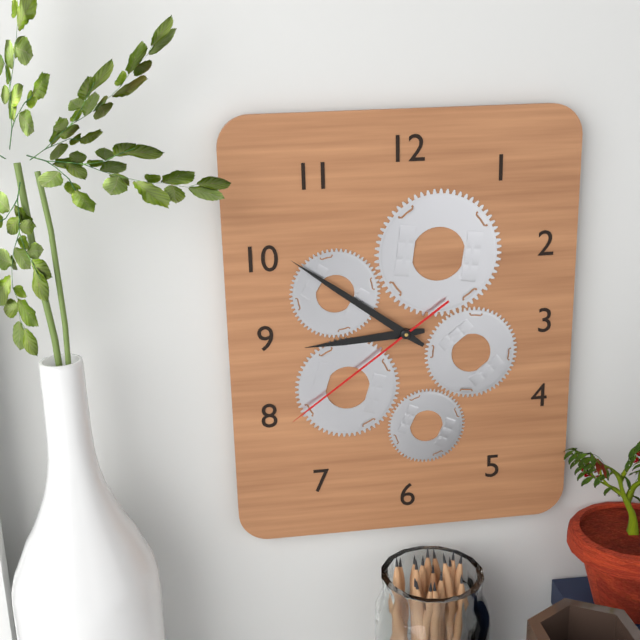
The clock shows 8 h 51 min 39 s
